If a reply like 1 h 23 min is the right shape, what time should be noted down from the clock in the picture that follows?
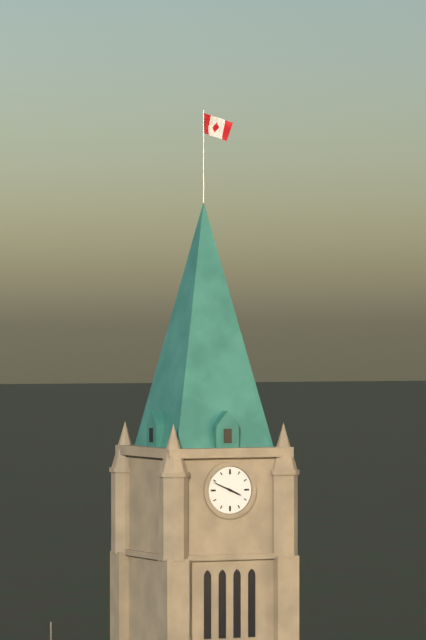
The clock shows 3 h 49 min
